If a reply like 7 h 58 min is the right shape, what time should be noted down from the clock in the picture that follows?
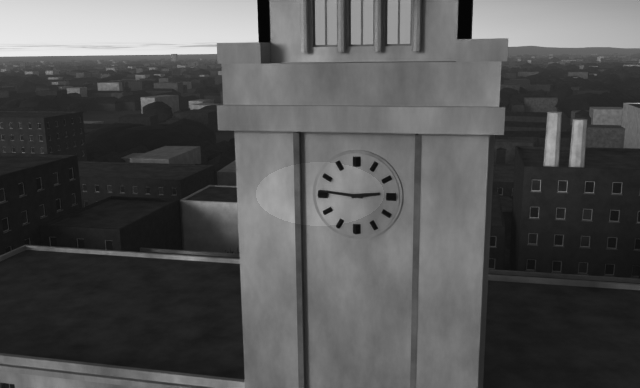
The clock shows 2 h 46 min
